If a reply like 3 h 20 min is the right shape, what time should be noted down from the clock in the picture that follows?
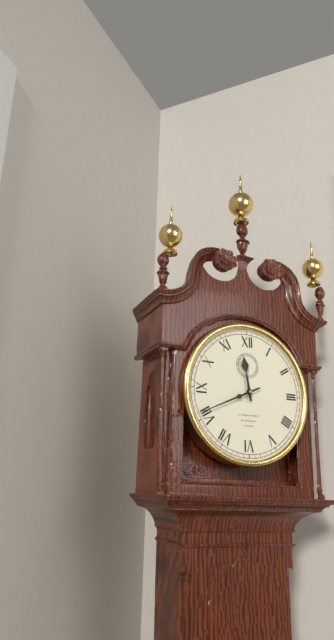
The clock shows 11 h 41 min
